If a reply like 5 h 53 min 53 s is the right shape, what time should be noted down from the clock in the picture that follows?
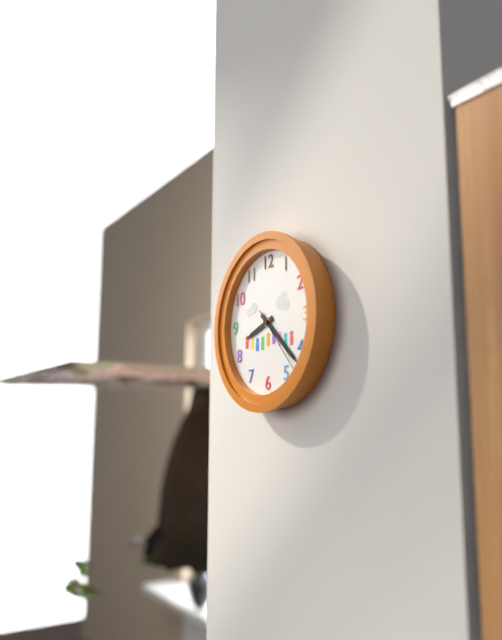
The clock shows 8 h 22 min 23 s
